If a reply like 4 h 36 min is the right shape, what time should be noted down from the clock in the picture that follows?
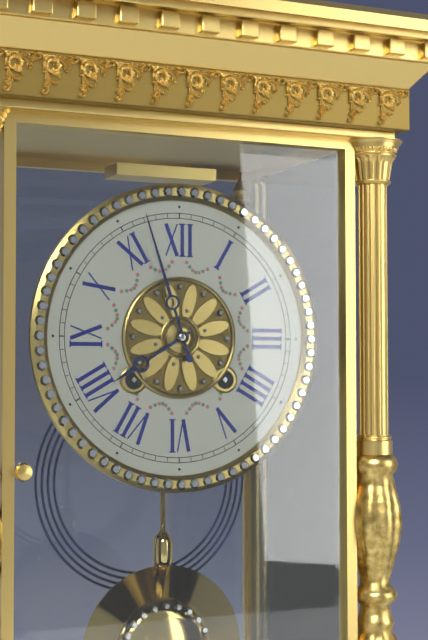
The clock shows 7 h 57 min
